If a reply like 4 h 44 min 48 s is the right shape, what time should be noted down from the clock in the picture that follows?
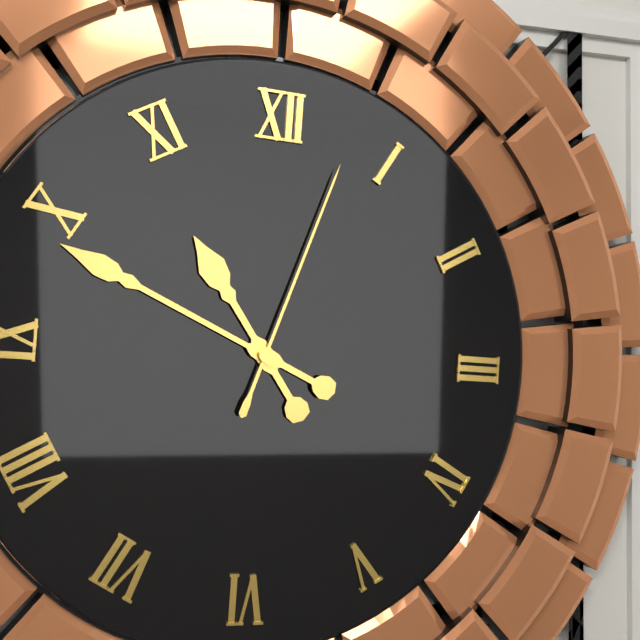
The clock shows 10 h 49 min 03 s
